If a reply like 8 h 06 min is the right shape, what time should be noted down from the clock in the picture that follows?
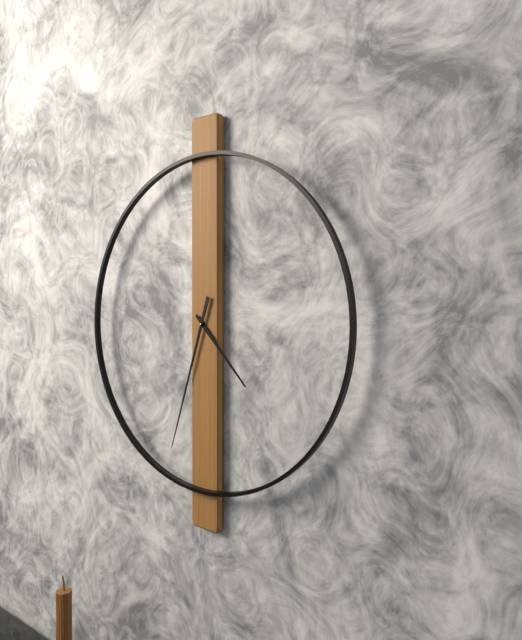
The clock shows 4 h 33 min
